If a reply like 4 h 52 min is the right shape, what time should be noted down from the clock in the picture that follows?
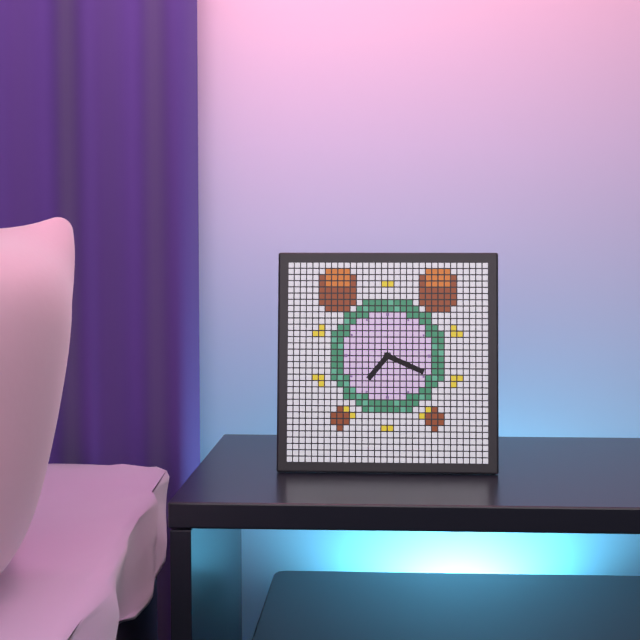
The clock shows 7 h 19 min
